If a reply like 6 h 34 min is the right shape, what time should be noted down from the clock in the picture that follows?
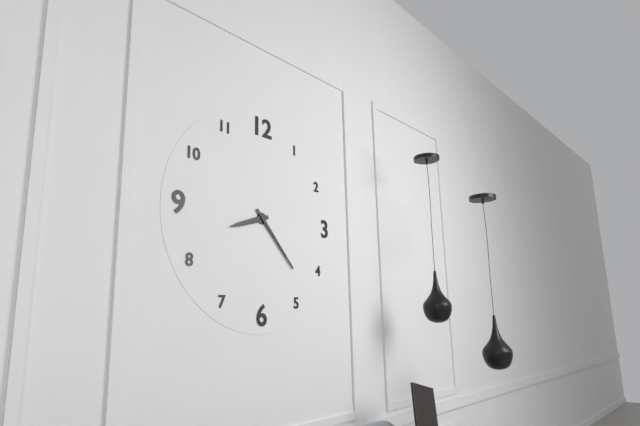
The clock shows 8 h 23 min
